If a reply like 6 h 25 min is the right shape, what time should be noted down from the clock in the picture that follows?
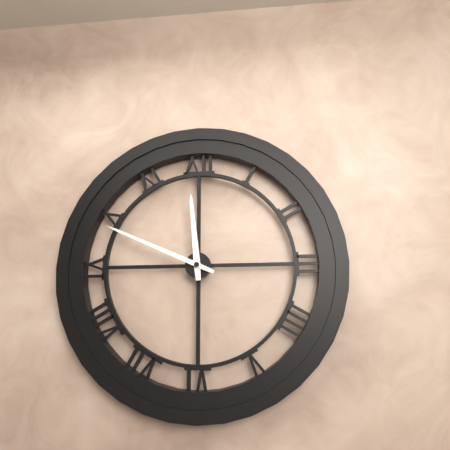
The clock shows 11 h 49 min
